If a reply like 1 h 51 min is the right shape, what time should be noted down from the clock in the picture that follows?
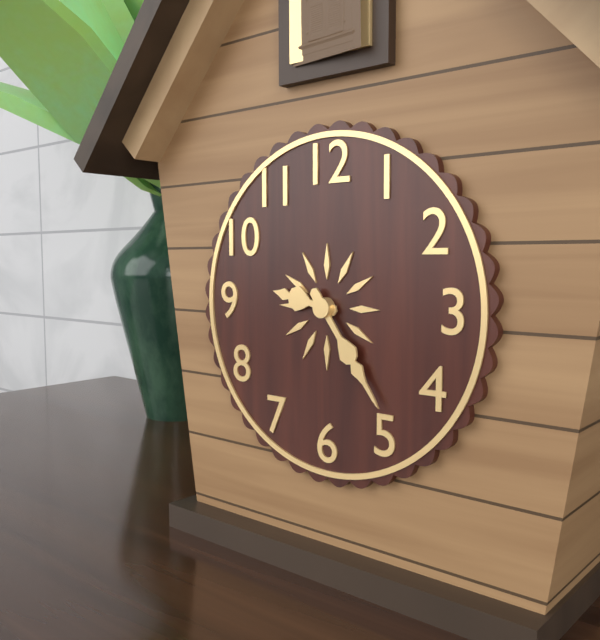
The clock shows 9 h 24 min
